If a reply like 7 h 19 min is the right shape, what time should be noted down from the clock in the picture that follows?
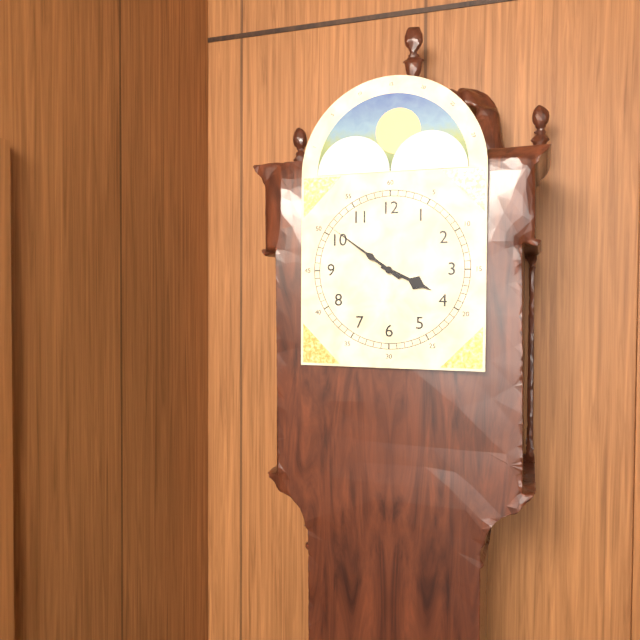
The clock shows 3 h 51 min
